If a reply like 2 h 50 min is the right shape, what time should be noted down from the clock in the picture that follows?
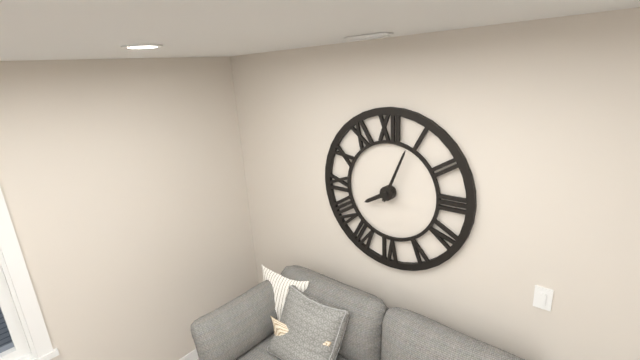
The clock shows 8 h 04 min
